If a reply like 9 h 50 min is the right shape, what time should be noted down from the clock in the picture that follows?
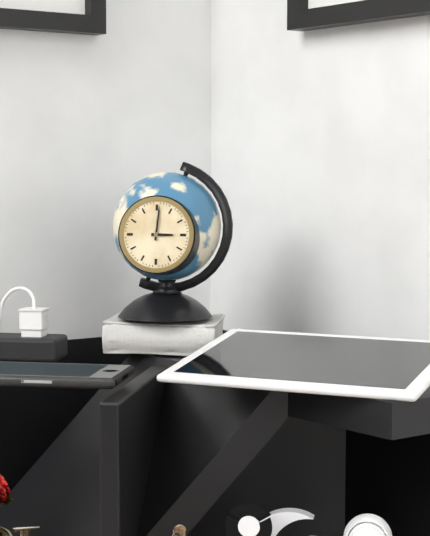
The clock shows 3 h 01 min
